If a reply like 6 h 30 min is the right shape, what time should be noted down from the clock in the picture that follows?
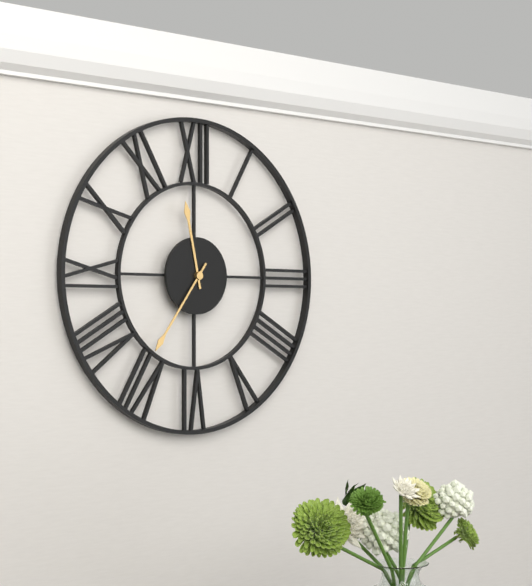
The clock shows 11 h 36 min
